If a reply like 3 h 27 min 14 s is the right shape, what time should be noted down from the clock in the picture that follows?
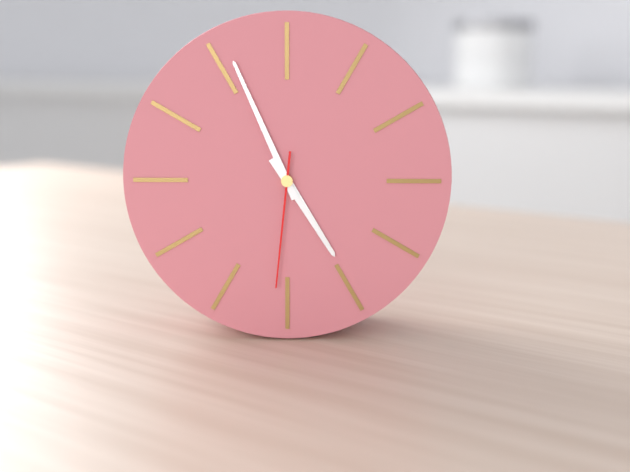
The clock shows 4 h 56 min 31 s
